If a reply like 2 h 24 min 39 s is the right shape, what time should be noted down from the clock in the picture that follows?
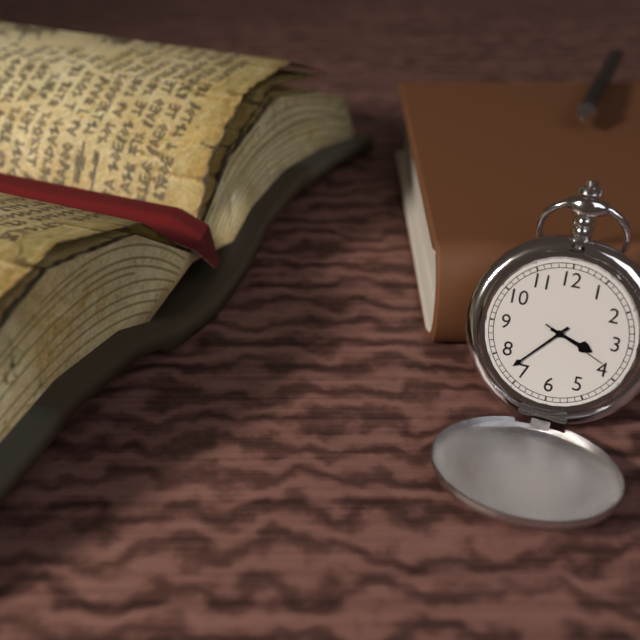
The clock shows 3 h 37 min 19 s
